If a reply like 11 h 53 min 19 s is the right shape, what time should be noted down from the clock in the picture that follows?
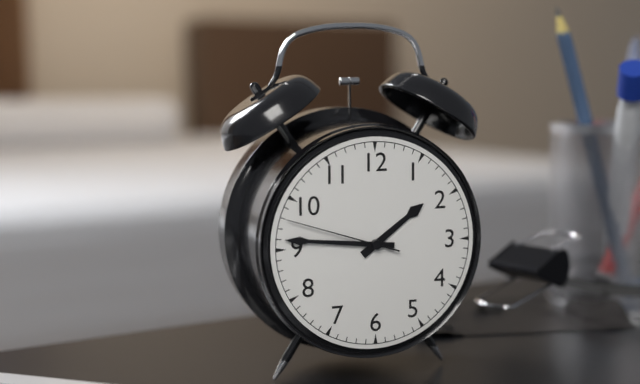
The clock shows 1 h 46 min 48 s
